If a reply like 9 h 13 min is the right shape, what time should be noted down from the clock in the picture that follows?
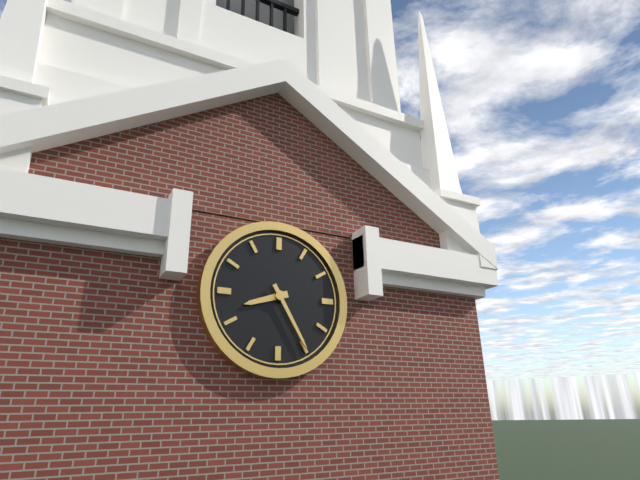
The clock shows 8 h 25 min
